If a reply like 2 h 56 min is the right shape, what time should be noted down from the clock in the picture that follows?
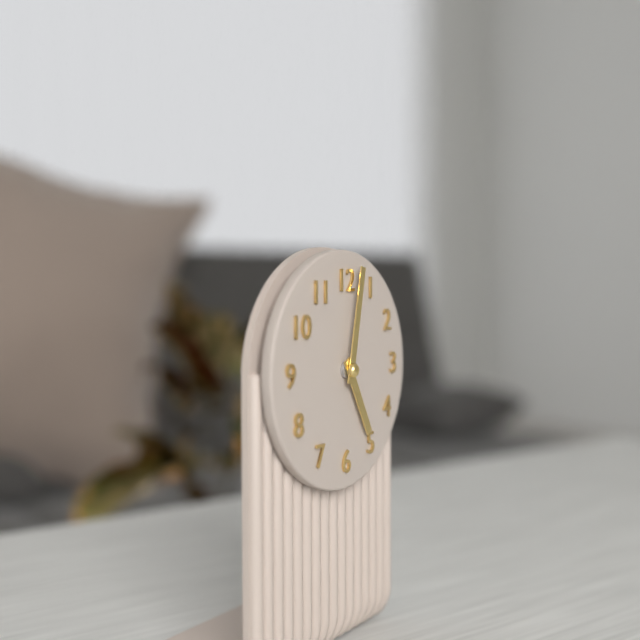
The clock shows 5 h 02 min
